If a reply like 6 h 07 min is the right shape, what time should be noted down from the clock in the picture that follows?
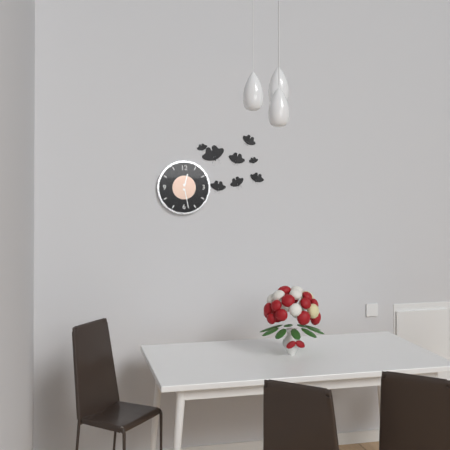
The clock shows 12 h 28 min
